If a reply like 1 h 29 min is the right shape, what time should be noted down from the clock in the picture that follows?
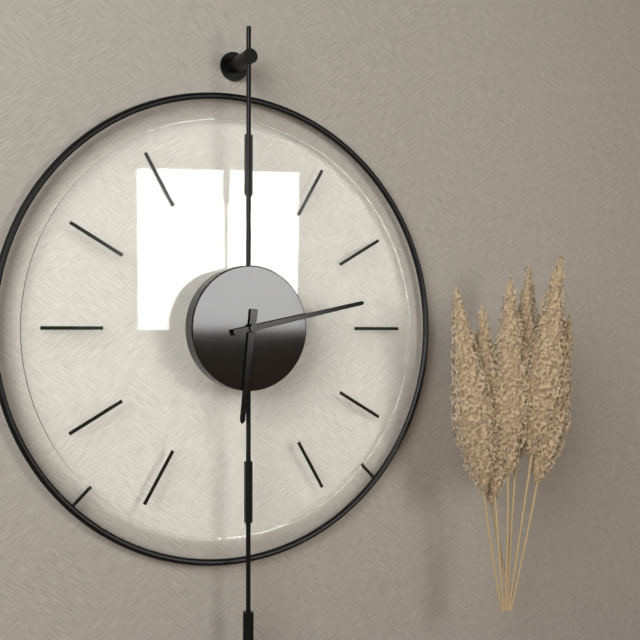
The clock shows 6 h 13 min
